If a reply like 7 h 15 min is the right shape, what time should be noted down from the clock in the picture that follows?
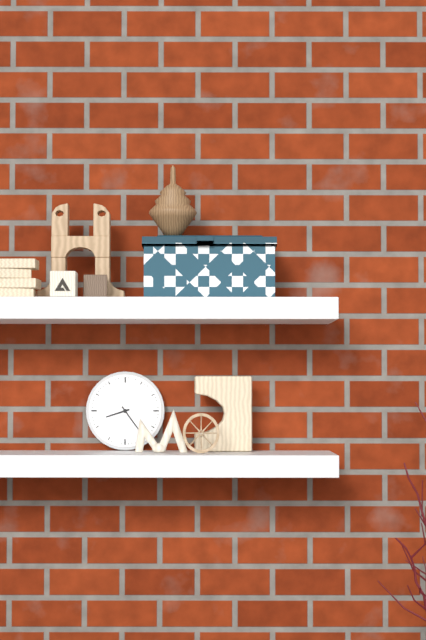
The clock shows 8 h 24 min
